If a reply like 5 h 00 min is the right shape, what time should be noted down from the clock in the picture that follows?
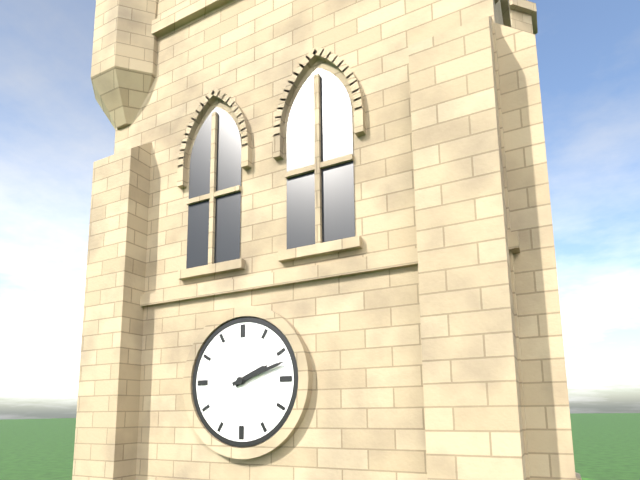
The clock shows 2 h 12 min
